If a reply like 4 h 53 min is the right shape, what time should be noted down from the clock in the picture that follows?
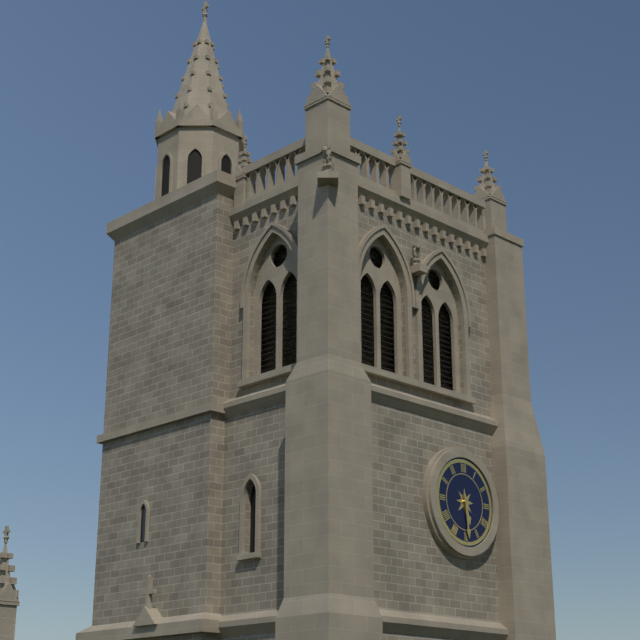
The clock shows 5 h 29 min
